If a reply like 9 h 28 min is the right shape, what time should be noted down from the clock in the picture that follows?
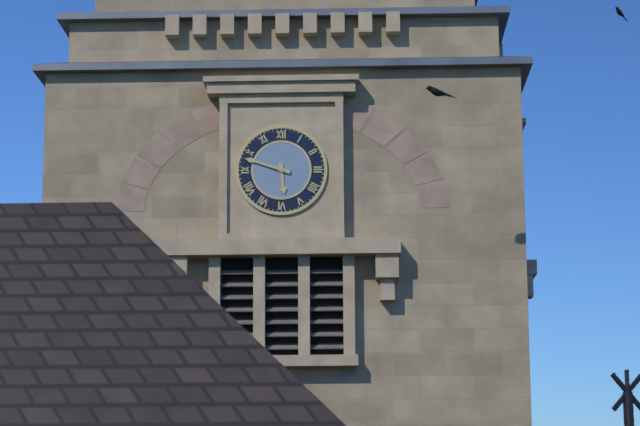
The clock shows 5 h 48 min
